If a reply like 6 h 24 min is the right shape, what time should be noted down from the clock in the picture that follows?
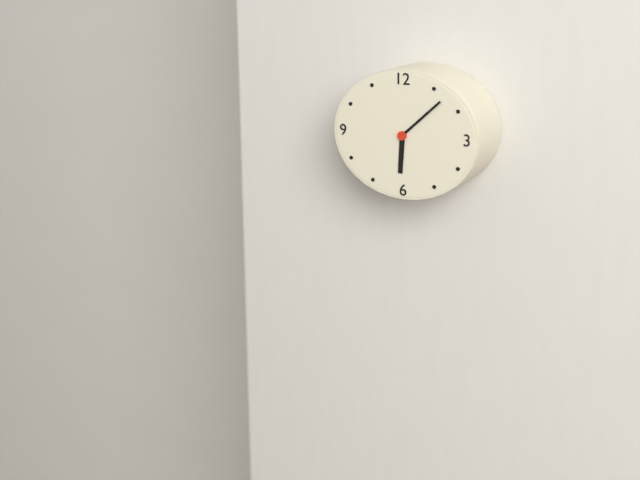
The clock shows 6 h 08 min
